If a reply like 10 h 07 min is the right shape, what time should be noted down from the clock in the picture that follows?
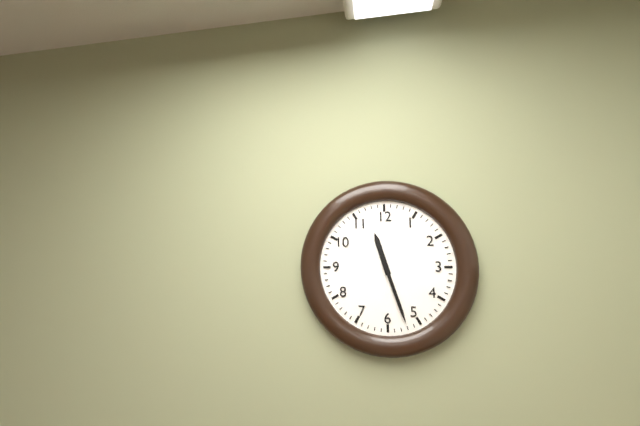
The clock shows 11 h 27 min
